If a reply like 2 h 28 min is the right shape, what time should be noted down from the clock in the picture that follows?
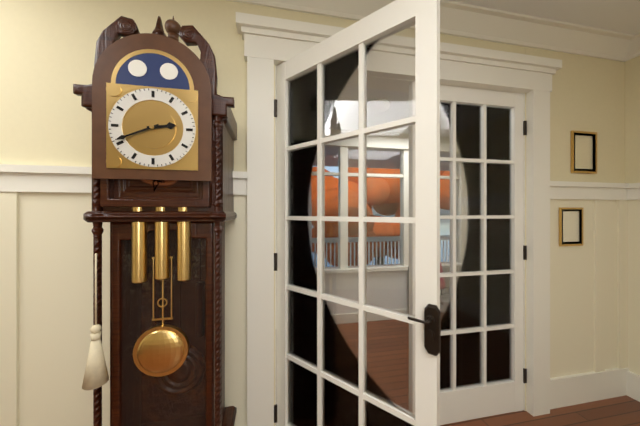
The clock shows 2 h 41 min
